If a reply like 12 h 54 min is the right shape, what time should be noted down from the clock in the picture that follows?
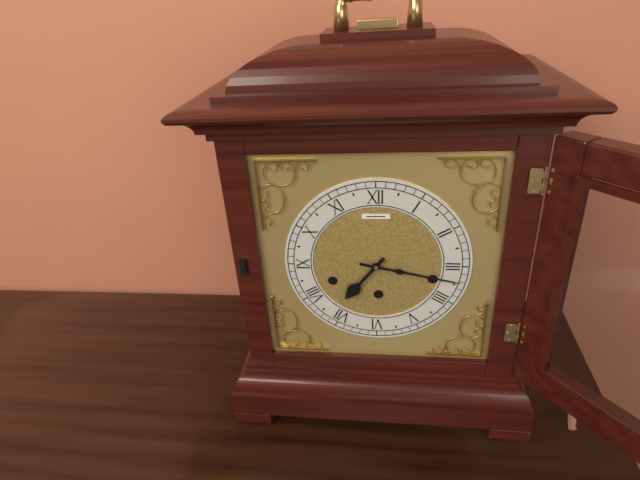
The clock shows 7 h 17 min
